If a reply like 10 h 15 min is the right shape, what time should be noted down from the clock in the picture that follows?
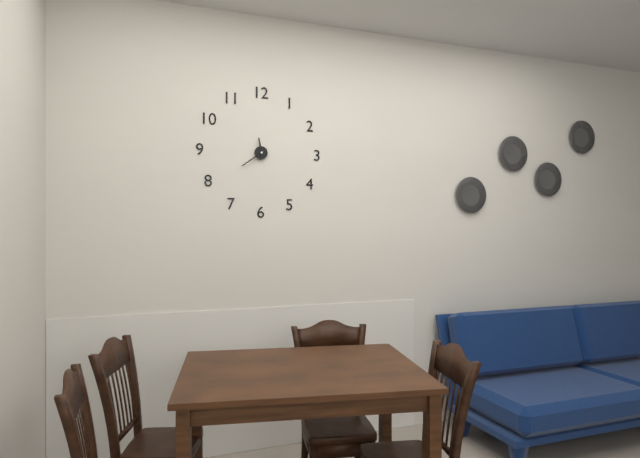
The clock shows 11 h 39 min
